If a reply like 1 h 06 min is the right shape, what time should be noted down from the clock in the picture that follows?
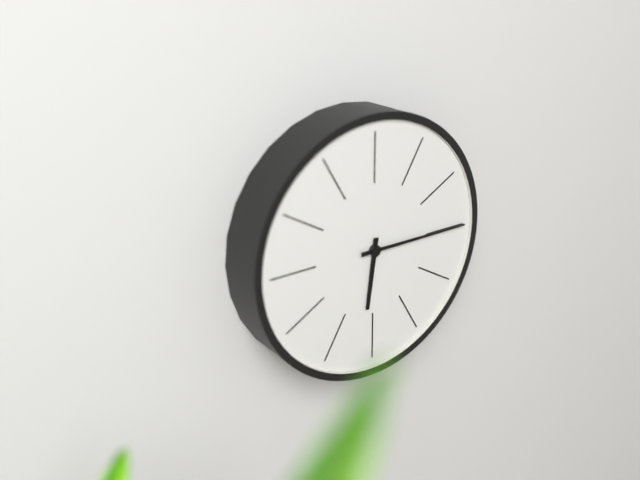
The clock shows 6 h 15 min
